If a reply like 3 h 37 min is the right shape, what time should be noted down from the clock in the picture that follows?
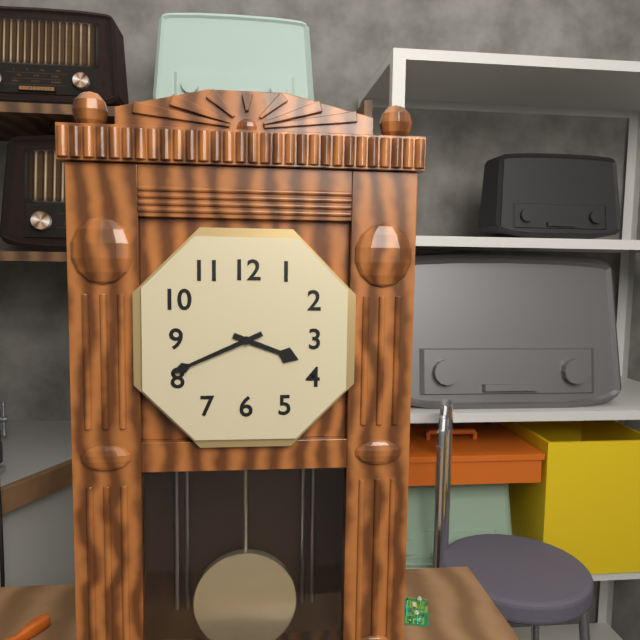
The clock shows 3 h 41 min
